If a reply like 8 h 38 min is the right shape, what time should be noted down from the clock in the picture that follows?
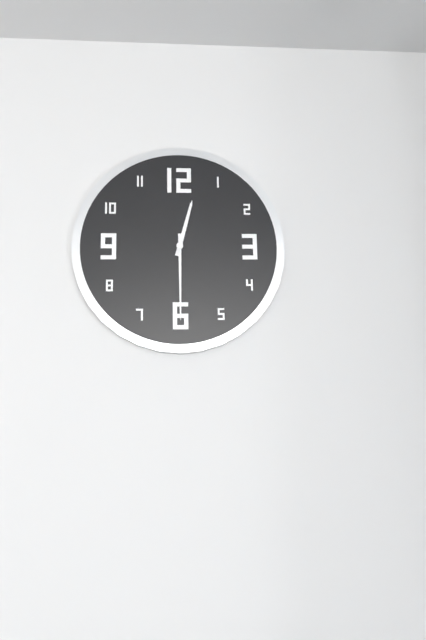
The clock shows 12 h 30 min
